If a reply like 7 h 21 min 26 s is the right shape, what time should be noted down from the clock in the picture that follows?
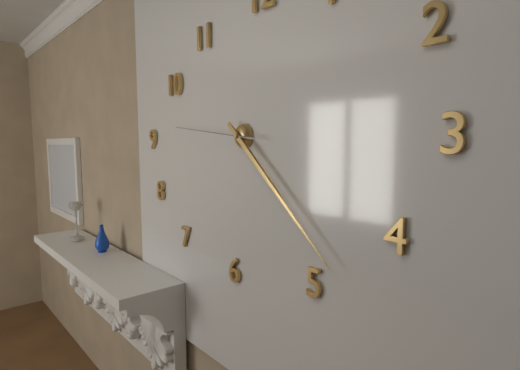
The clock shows 4 h 22 min 46 s
